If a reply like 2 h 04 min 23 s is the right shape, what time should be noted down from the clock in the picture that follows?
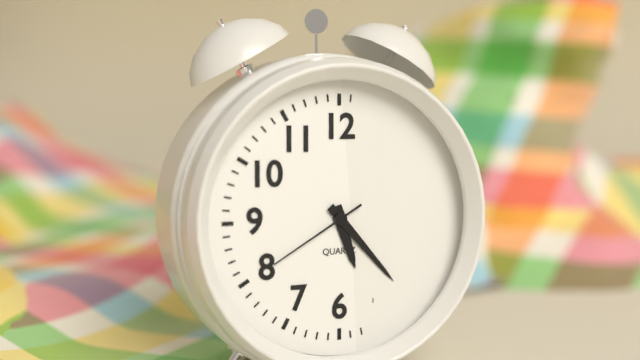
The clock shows 5 h 23 min 40 s
